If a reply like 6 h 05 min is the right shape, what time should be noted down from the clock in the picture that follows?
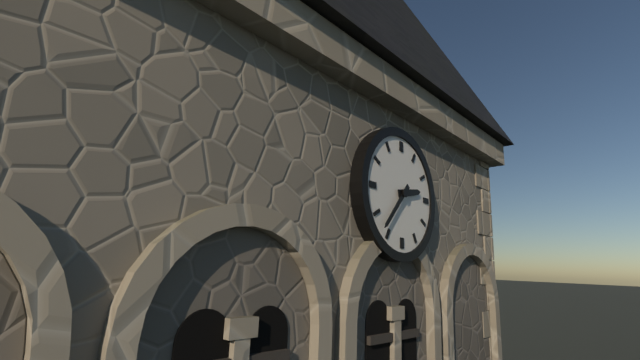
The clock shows 2 h 37 min
